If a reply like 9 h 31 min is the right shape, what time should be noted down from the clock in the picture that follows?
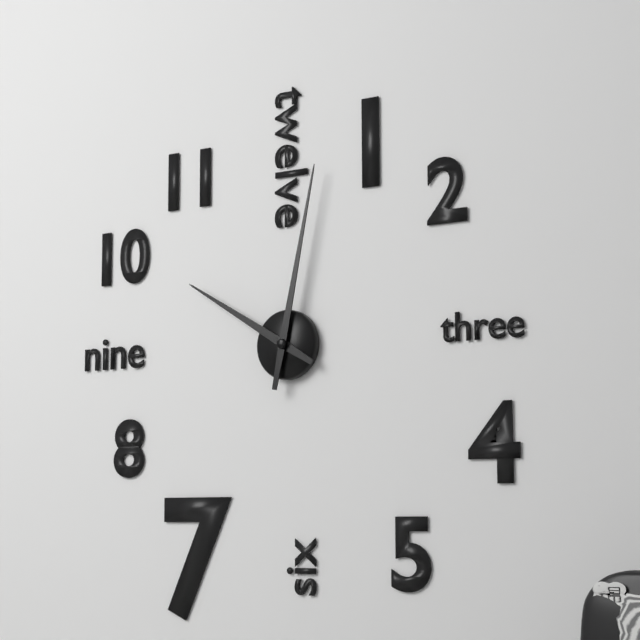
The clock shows 10 h 02 min
